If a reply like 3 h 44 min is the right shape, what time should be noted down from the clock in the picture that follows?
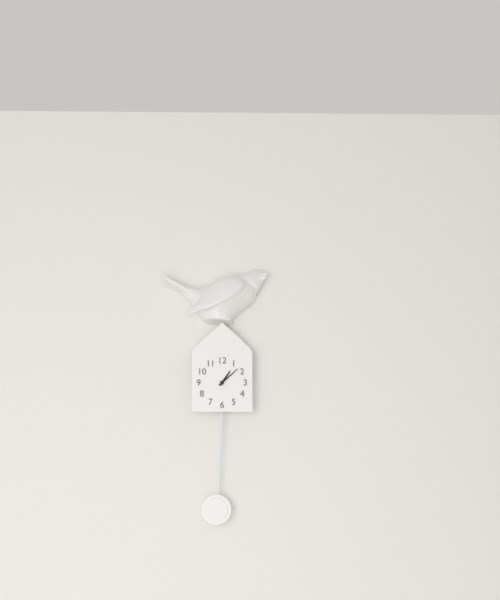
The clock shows 1 h 08 min
